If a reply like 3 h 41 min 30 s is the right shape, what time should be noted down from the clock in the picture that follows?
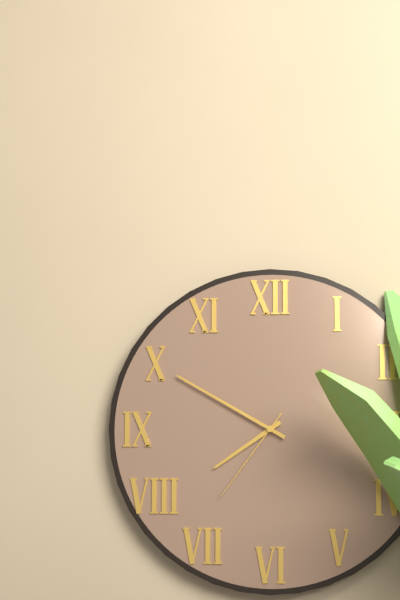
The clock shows 7 h 50 min 36 s
